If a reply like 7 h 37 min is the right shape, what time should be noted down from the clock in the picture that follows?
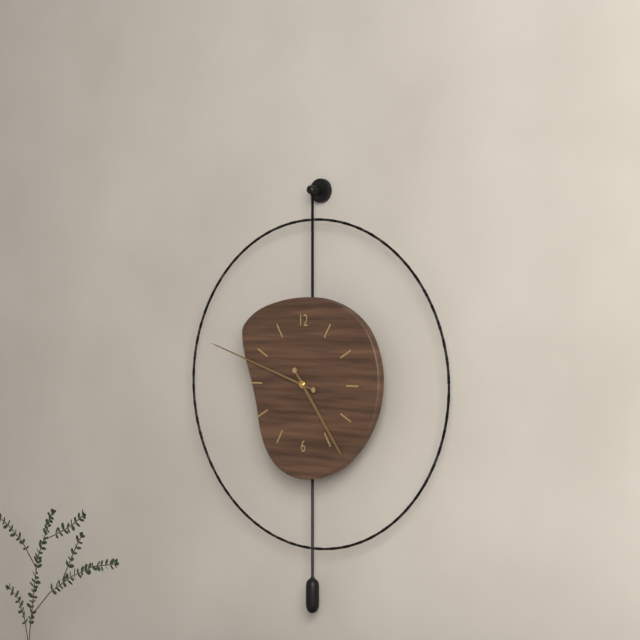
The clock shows 4 h 48 min
